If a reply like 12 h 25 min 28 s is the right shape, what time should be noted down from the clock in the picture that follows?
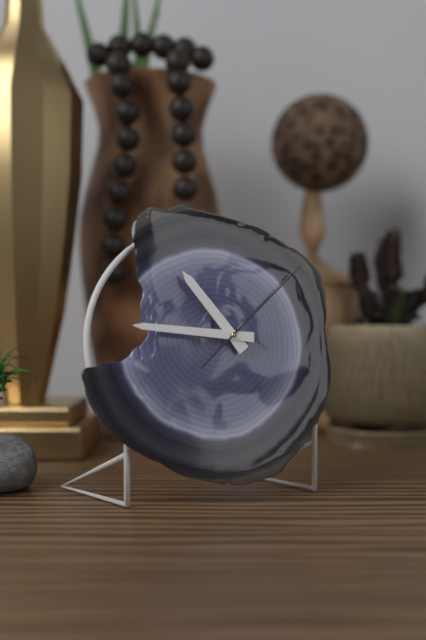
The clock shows 10 h 46 min 08 s
